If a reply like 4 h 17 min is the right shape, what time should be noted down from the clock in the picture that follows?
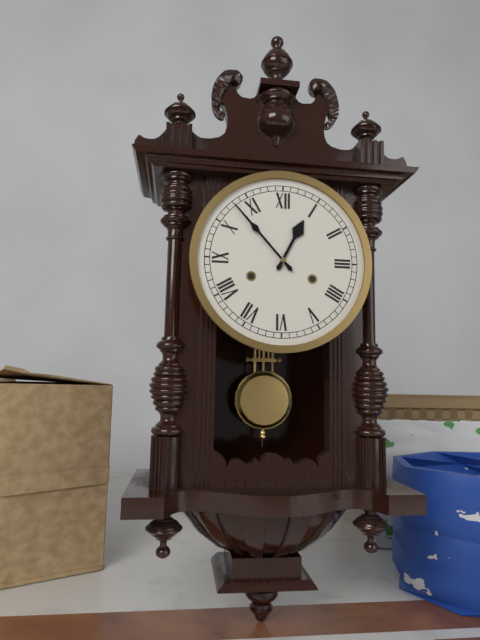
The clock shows 12 h 53 min
